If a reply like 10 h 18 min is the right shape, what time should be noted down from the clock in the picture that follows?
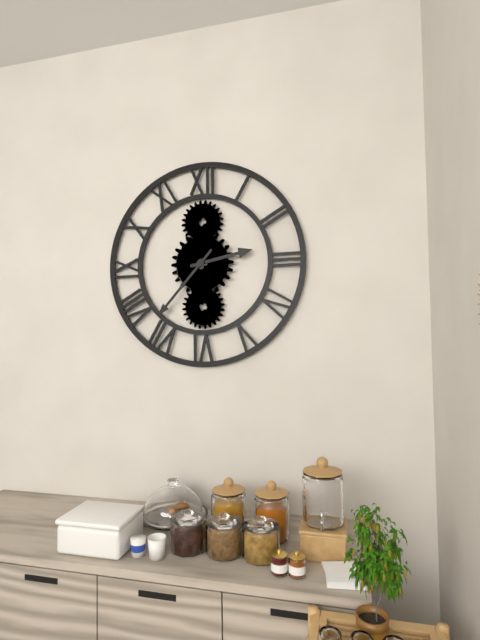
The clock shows 2 h 37 min
